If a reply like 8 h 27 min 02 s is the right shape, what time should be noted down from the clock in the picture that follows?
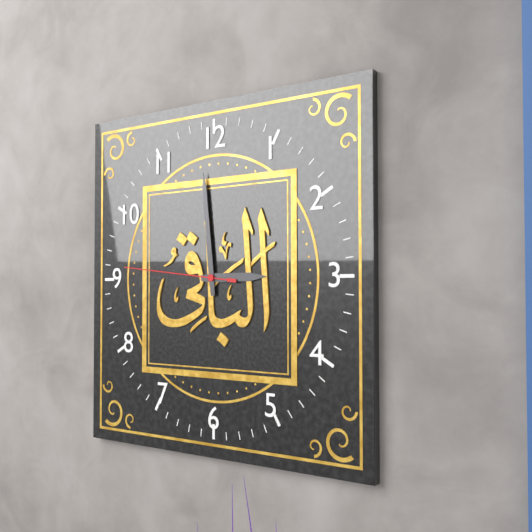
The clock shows 2 h 59 min 46 s
